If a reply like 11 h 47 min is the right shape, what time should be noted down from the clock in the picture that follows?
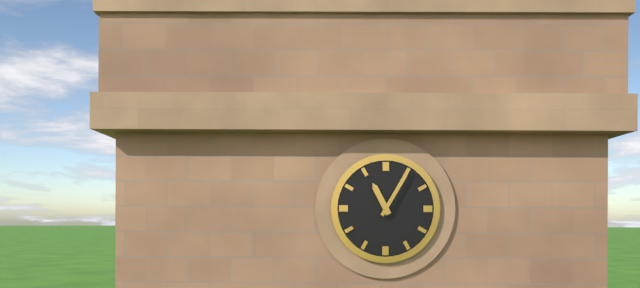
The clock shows 11 h 05 min
